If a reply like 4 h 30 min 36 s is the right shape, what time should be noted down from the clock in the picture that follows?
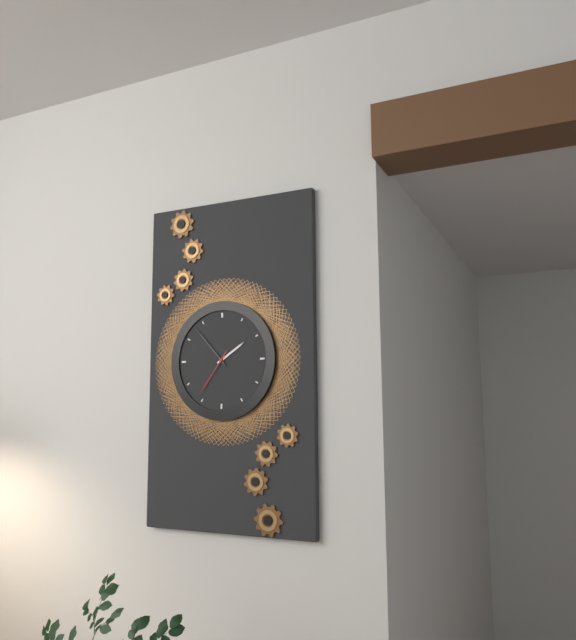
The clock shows 1 h 53 min 36 s
